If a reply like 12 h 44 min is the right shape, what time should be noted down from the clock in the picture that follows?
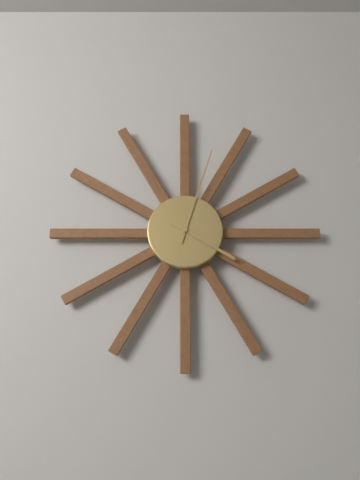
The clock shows 4 h 03 min
